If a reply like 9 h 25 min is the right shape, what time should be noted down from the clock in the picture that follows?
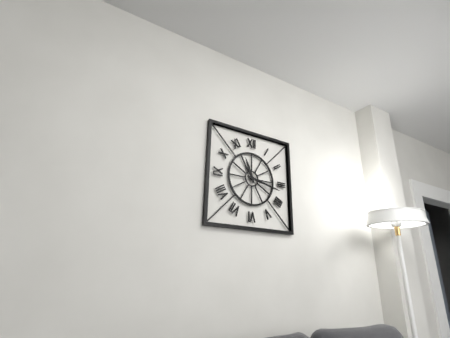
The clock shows 11 h 17 min
